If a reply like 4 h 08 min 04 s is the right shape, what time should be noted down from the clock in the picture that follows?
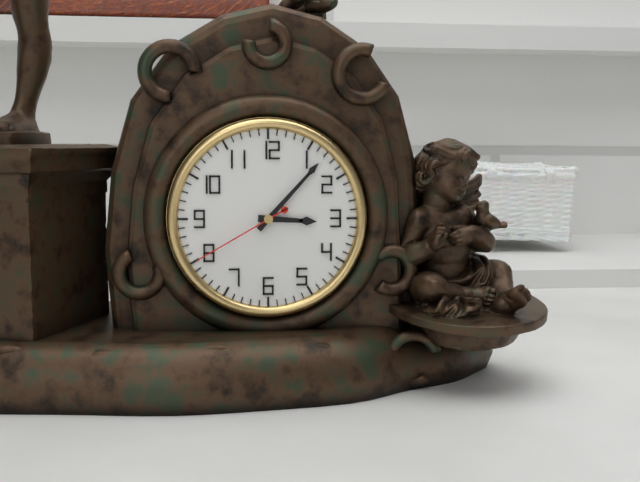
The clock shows 3 h 07 min 40 s
